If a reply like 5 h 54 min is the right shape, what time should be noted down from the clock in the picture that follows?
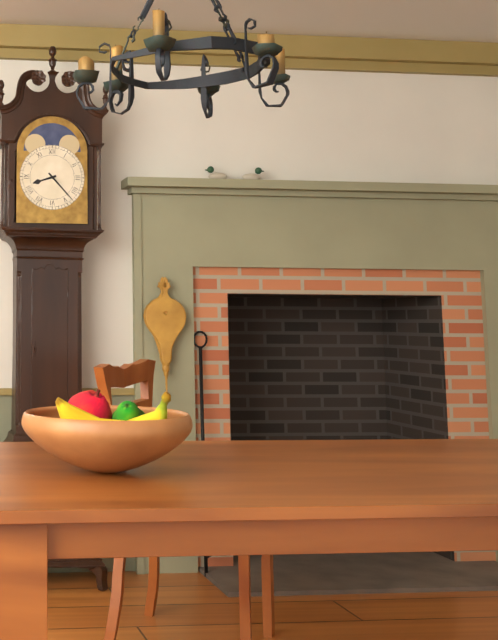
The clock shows 8 h 23 min
